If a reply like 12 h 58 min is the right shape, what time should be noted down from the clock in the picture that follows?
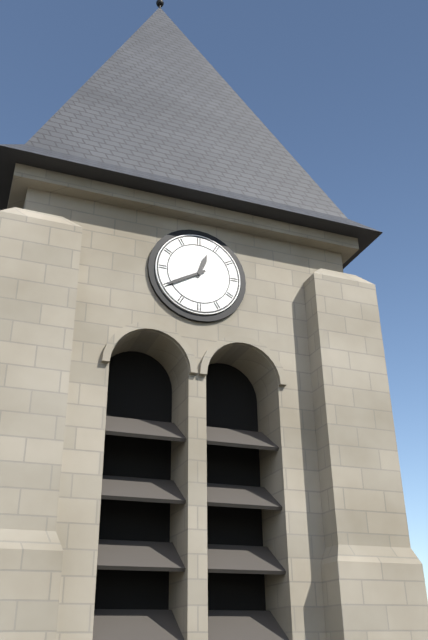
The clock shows 12 h 40 min
